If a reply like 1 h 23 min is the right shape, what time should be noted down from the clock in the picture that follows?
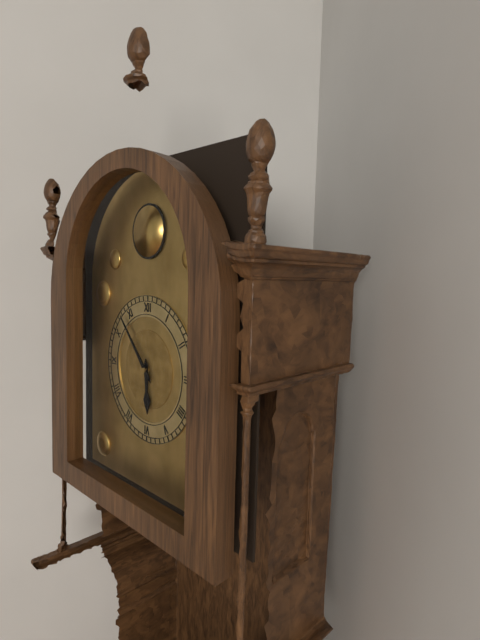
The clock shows 5 h 53 min
